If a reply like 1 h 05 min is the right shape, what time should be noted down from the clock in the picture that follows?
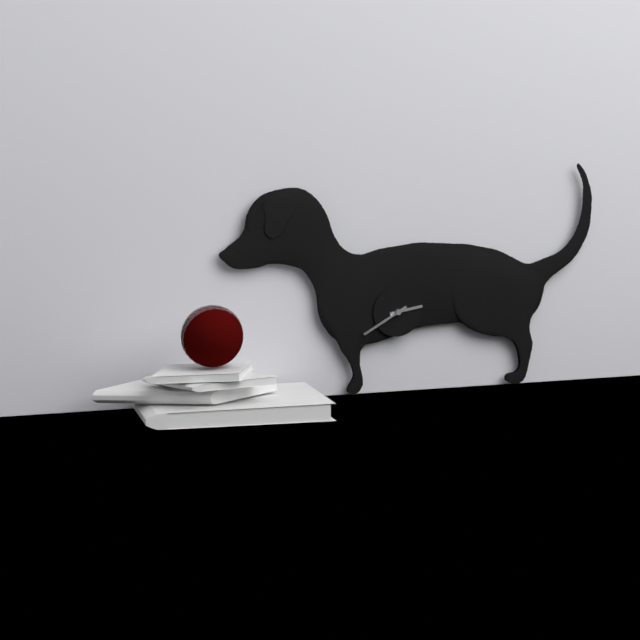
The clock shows 2 h 40 min
